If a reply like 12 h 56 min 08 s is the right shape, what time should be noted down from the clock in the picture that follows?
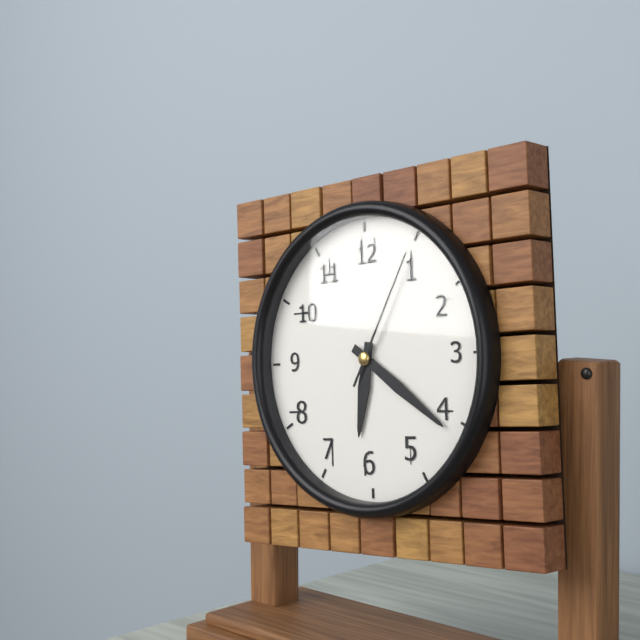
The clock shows 6 h 21 min 05 s
